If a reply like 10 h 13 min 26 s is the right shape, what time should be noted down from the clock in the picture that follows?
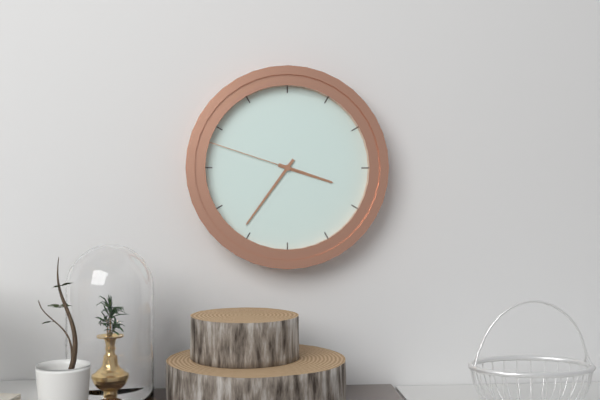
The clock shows 3 h 36 min 48 s
